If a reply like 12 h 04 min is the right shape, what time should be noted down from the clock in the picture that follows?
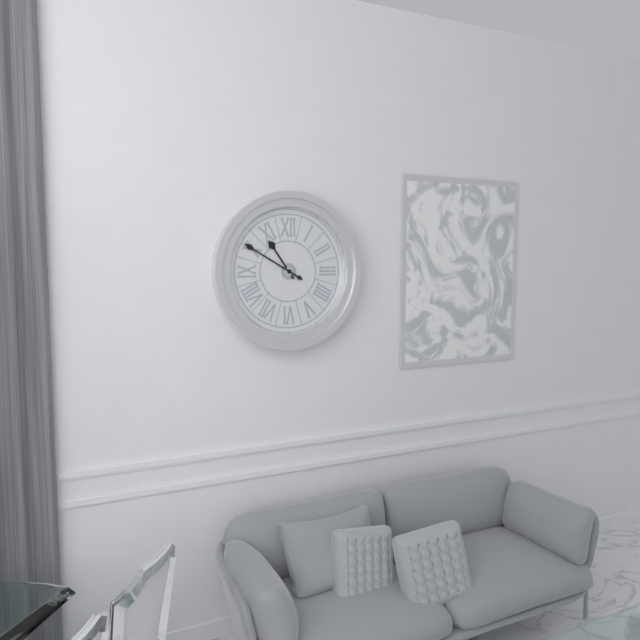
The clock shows 10 h 50 min
